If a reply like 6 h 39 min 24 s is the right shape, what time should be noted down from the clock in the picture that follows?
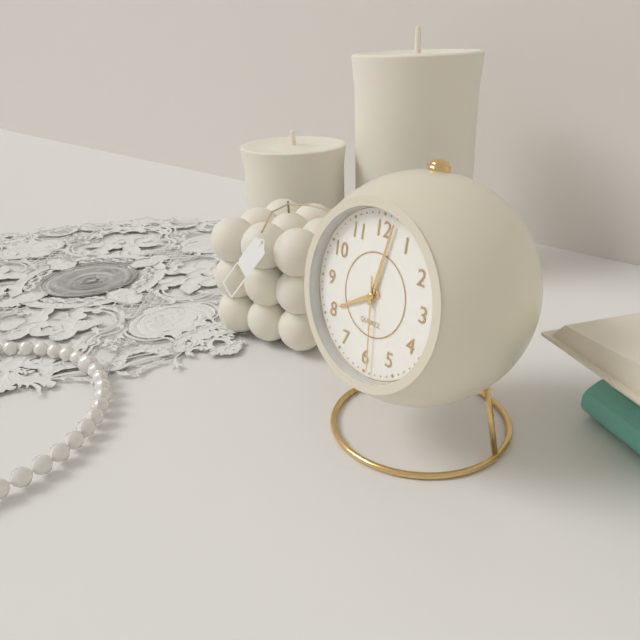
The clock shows 8 h 02 min 29 s
